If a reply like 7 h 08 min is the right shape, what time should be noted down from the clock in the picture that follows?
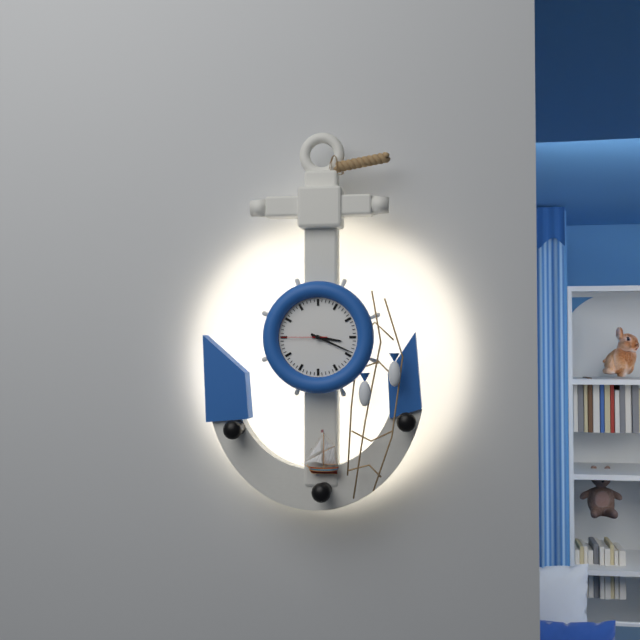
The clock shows 3 h 19 min
